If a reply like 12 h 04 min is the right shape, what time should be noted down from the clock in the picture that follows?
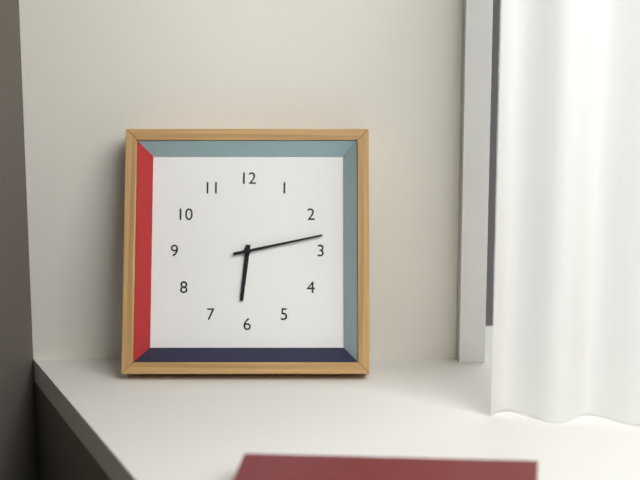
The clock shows 6 h 13 min
